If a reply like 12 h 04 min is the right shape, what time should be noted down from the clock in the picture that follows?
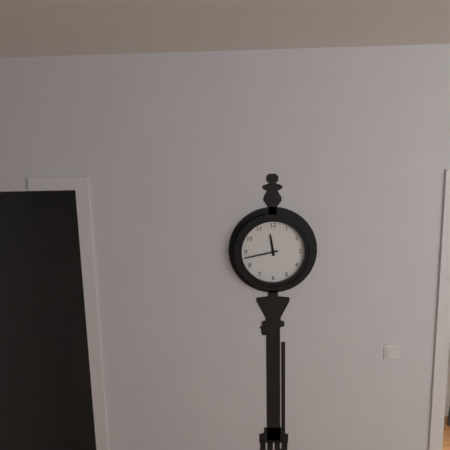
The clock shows 11 h 43 min
